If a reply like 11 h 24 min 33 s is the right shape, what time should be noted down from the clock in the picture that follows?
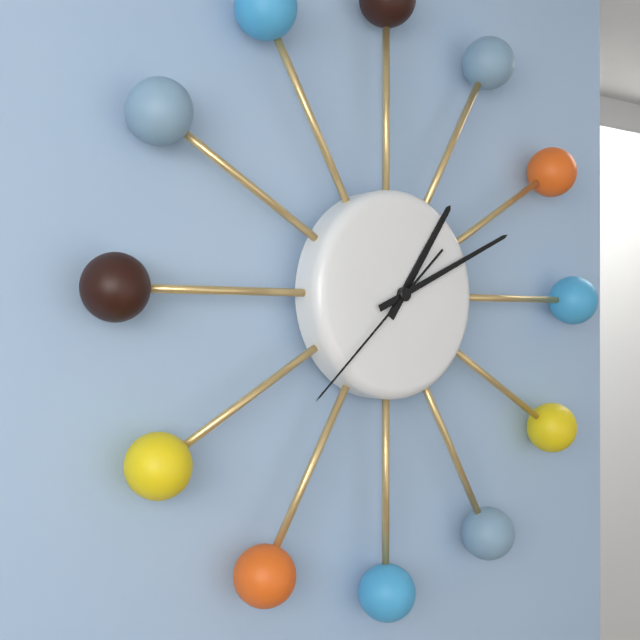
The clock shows 1 h 11 min 38 s
